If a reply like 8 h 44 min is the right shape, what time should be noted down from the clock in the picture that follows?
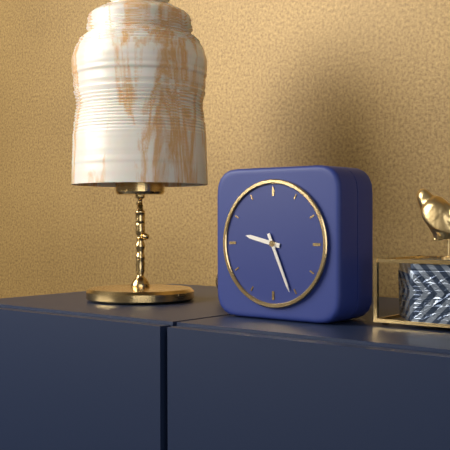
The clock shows 9 h 26 min
